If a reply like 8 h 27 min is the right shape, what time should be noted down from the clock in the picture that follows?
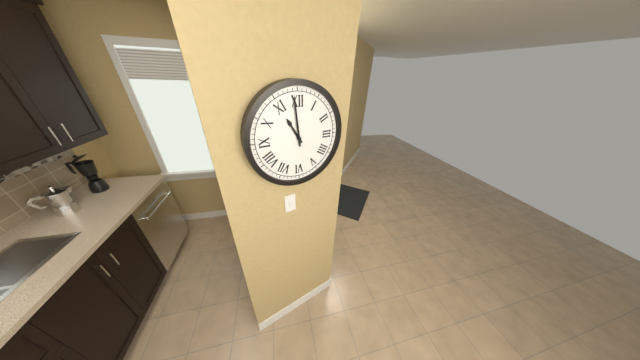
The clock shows 10 h 59 min
